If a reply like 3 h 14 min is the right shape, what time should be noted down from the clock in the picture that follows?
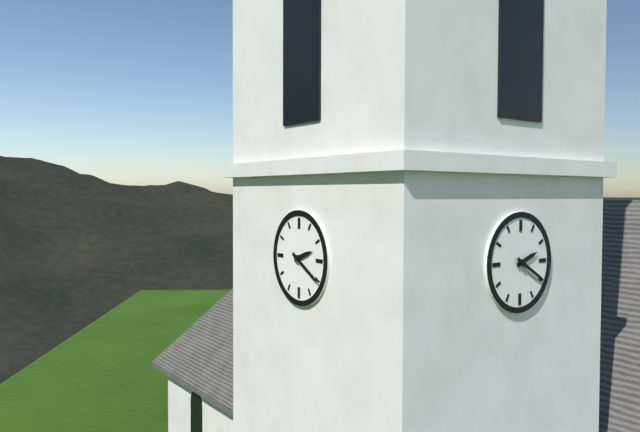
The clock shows 2 h 20 min
